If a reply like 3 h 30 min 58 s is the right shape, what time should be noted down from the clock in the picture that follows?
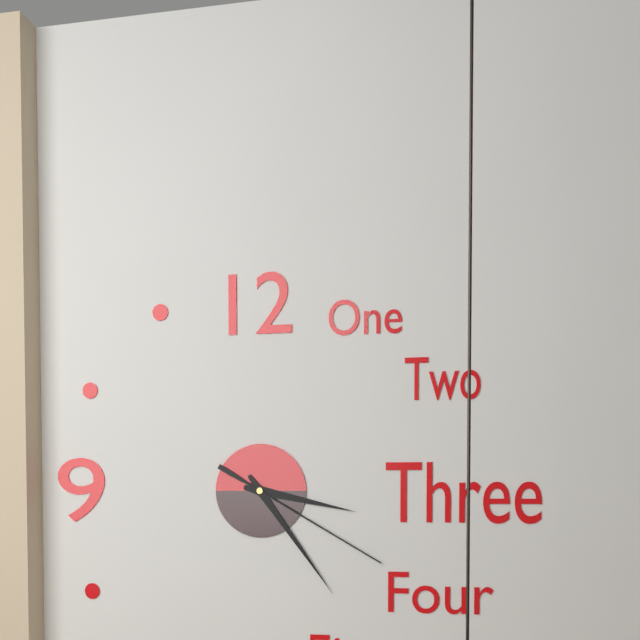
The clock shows 3 h 24 min 20 s
